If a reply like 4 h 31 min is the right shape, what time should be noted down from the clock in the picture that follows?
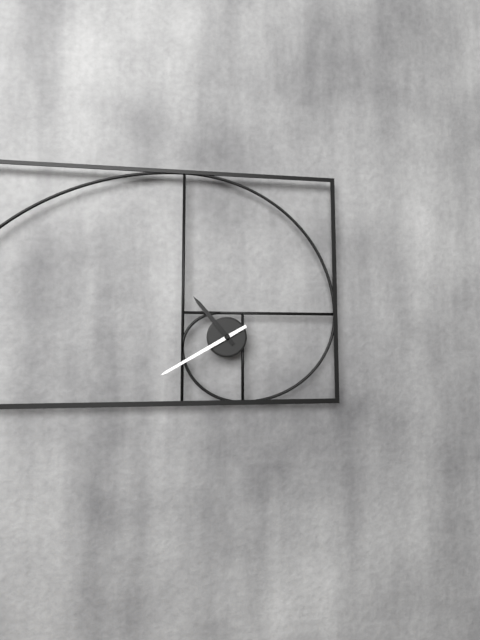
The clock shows 10 h 40 min
